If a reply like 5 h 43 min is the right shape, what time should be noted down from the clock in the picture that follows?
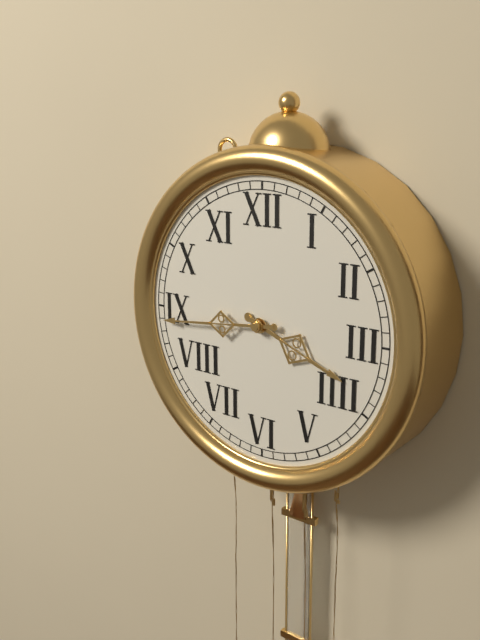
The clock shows 3 h 44 min
